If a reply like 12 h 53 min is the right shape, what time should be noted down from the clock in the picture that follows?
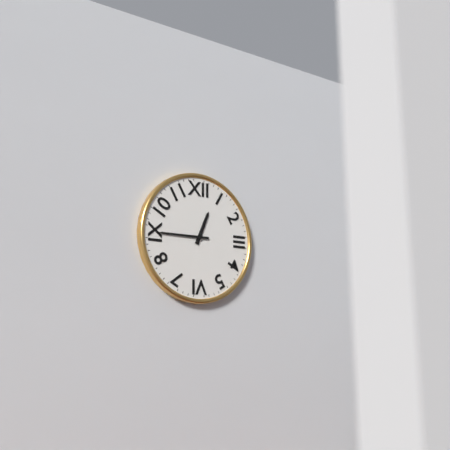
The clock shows 12 h 45 min
